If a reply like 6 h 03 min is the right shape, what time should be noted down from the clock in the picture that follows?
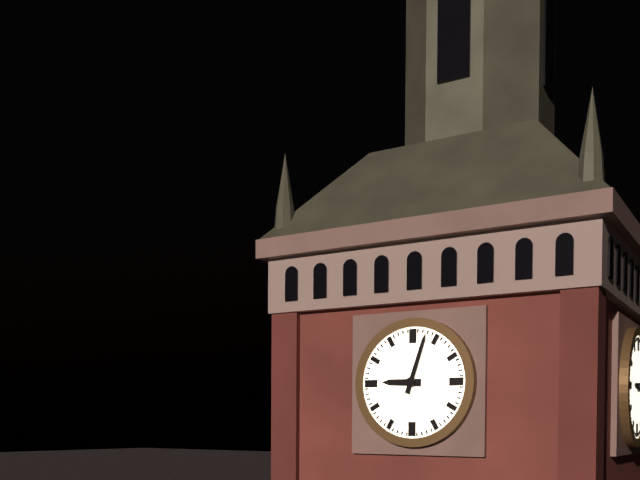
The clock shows 9 h 03 min
